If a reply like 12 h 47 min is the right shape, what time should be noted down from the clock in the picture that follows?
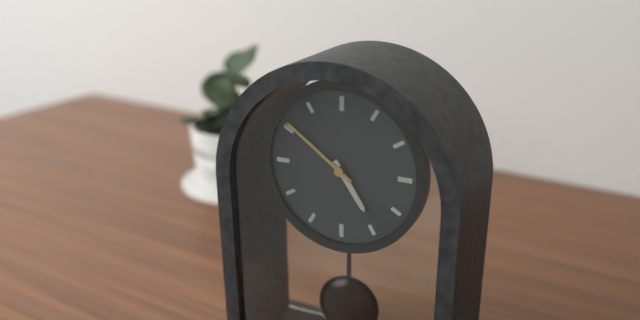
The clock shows 4 h 51 min
